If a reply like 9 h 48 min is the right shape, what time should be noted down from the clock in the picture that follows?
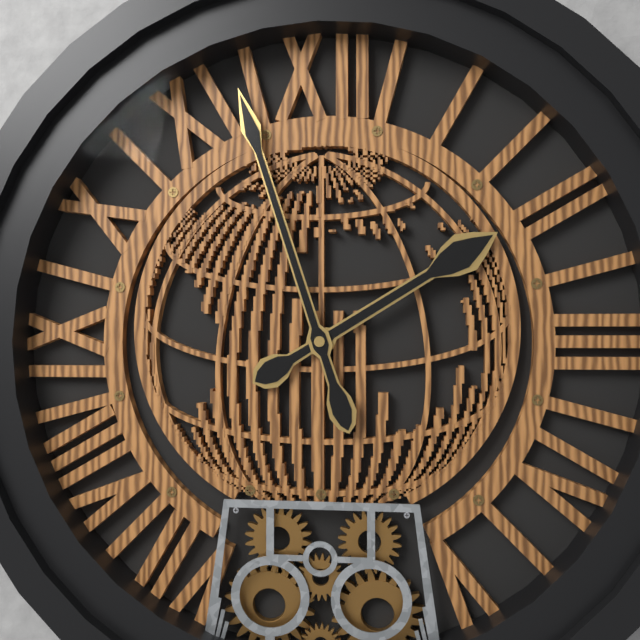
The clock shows 1 h 57 min
